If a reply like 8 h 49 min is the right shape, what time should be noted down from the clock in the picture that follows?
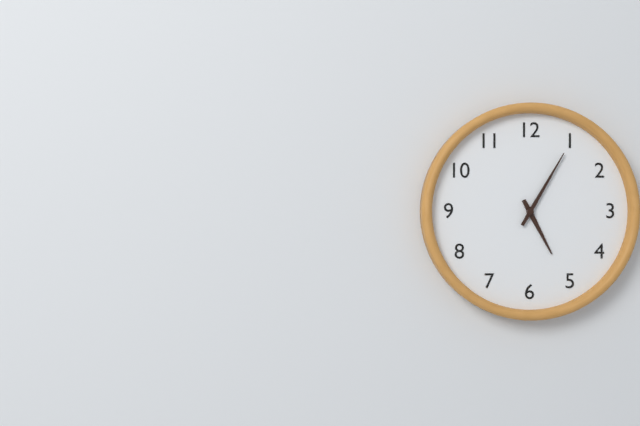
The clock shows 5 h 05 min
